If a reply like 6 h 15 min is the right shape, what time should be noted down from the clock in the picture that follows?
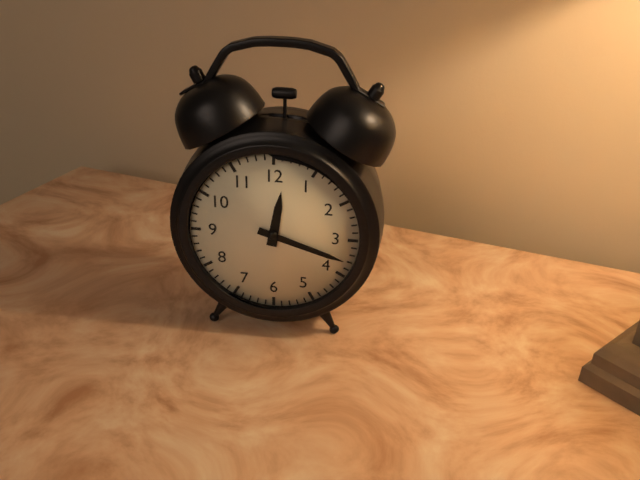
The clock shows 12 h 18 min
